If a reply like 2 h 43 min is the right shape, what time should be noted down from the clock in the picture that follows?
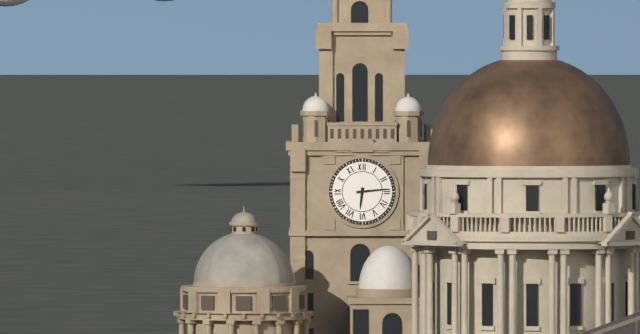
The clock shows 6 h 14 min
